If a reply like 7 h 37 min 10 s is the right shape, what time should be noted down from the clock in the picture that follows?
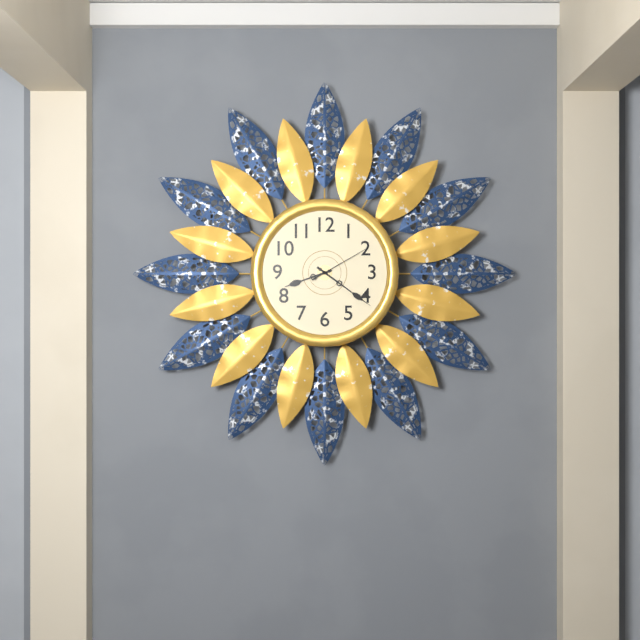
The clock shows 8 h 21 min 10 s
